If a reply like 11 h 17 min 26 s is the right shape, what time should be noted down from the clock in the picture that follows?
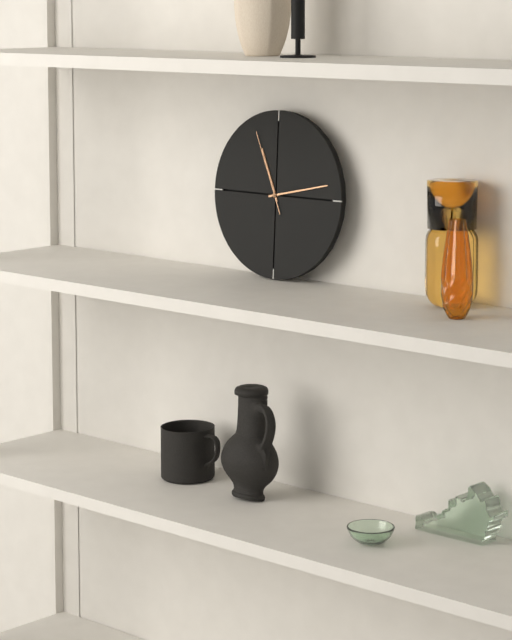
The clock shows 11 h 13 min 56 s
